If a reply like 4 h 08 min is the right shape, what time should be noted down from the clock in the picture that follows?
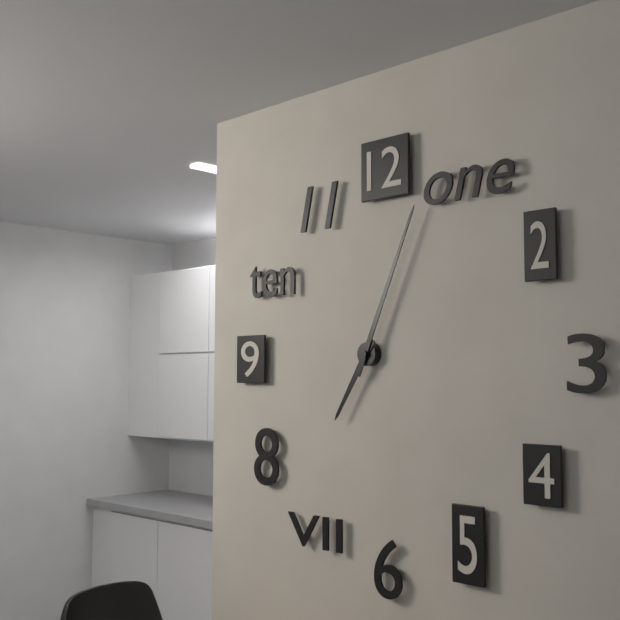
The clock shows 7 h 04 min
